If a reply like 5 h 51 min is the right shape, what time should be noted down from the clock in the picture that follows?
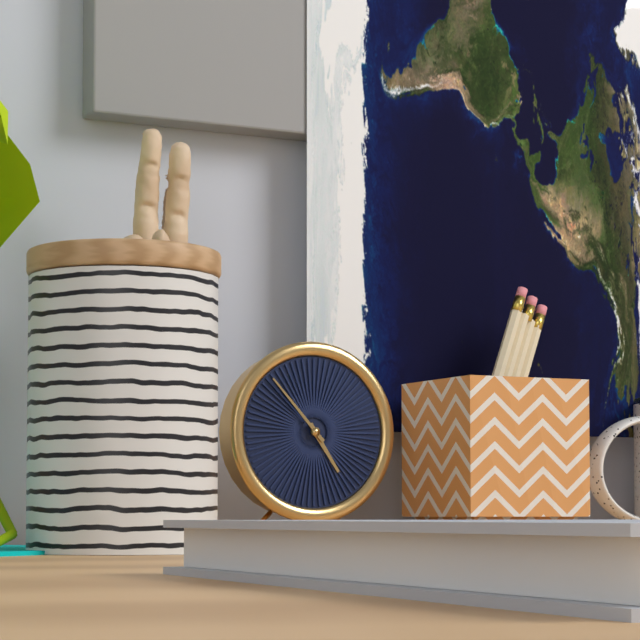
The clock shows 4 h 53 min
